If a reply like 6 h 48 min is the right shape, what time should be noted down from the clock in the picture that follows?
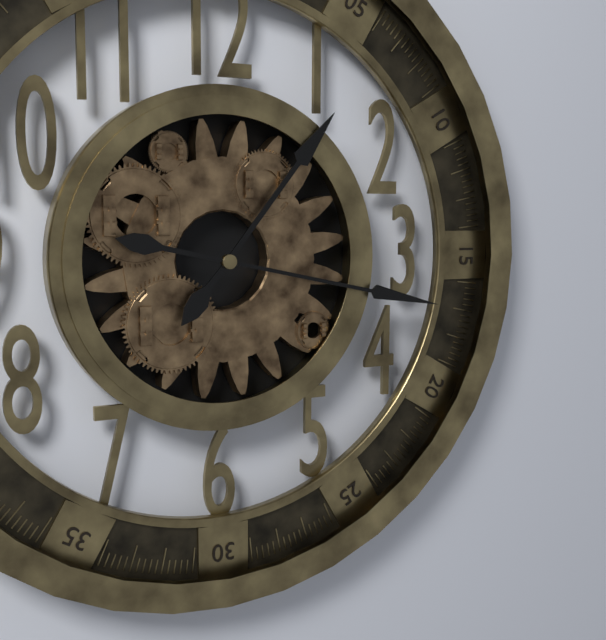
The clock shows 1 h 17 min
